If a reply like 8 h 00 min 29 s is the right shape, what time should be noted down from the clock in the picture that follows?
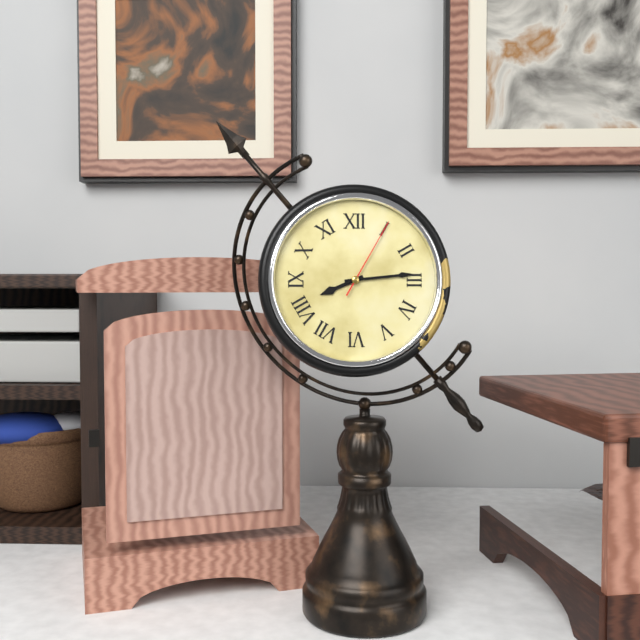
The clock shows 8 h 14 min 05 s
